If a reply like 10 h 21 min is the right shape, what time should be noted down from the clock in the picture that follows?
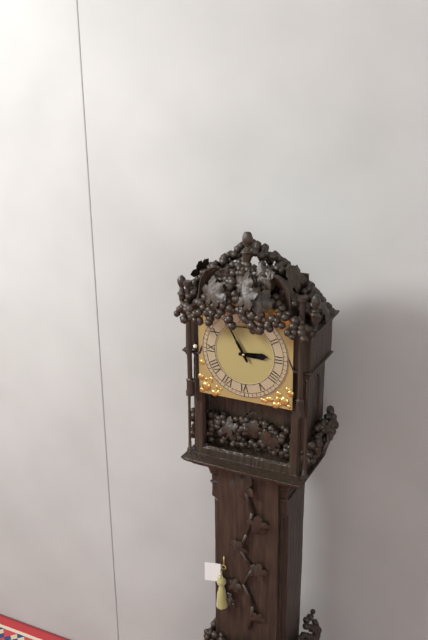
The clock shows 2 h 55 min
